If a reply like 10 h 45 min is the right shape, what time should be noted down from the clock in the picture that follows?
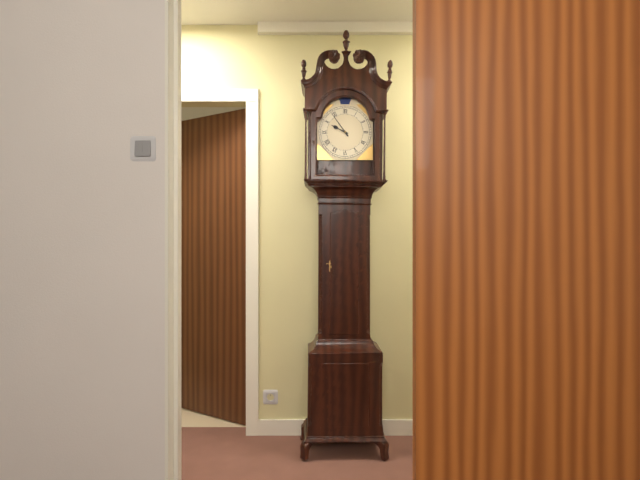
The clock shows 9 h 54 min
